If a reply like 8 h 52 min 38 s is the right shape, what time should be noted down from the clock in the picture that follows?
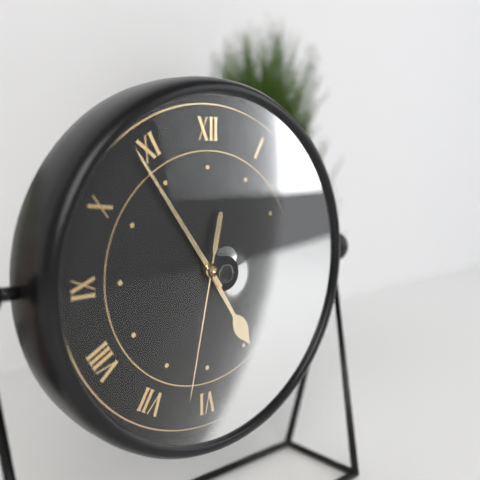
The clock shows 4 h 54 min 32 s
